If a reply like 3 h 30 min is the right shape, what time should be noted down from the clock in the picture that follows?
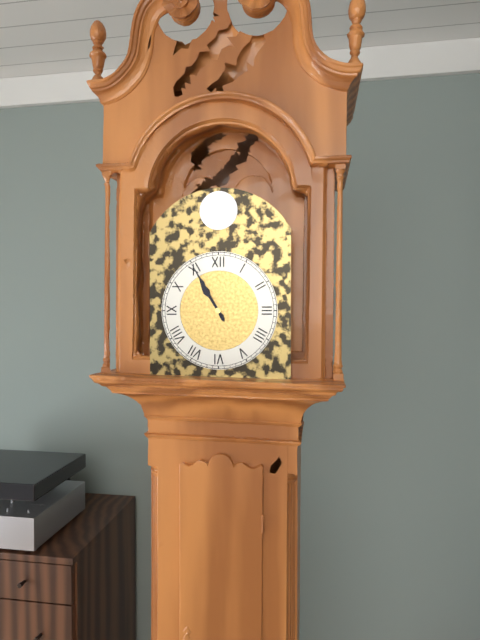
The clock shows 10 h 55 min
